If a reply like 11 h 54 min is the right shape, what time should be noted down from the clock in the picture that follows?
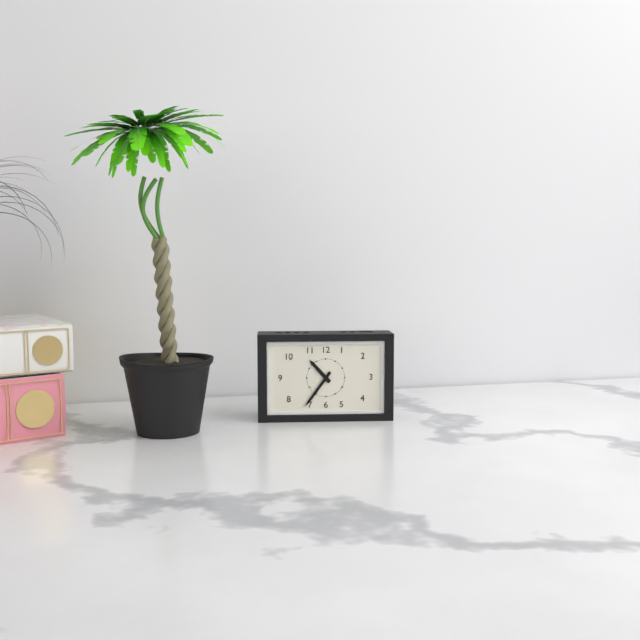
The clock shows 10 h 36 min
